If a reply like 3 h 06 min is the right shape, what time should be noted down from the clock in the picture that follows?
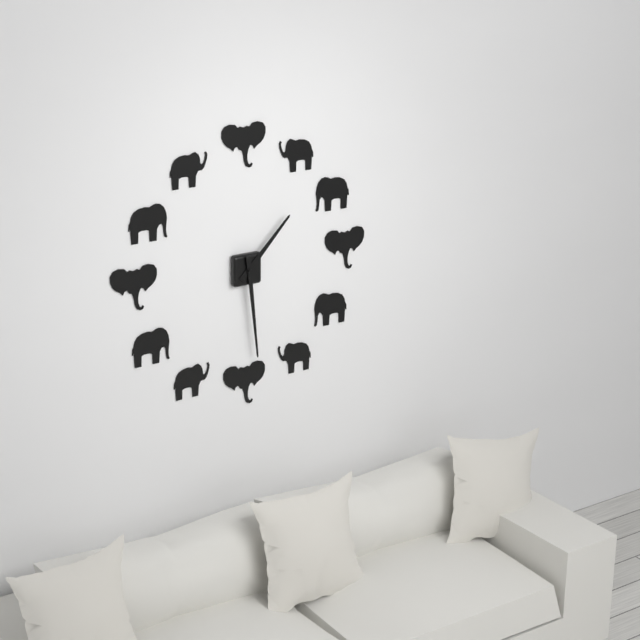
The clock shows 1 h 29 min
